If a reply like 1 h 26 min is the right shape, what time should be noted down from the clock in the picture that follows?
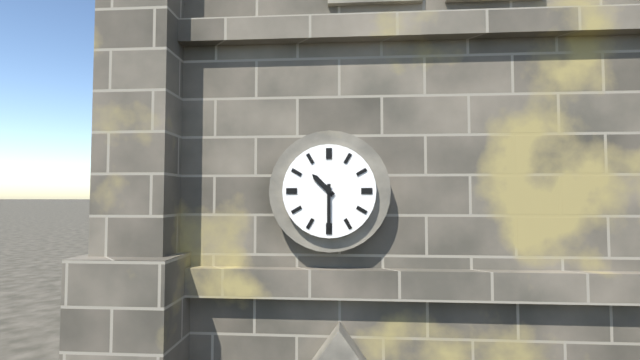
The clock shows 10 h 30 min
